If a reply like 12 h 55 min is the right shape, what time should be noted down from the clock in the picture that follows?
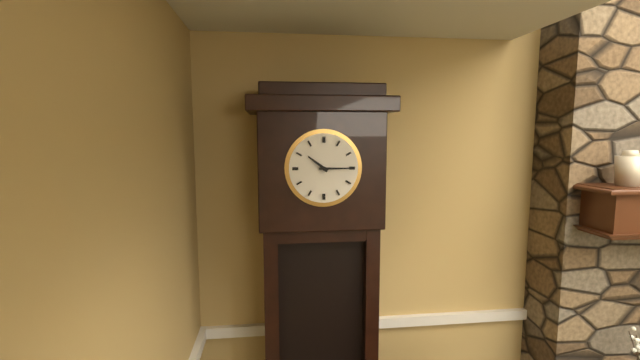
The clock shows 10 h 15 min
